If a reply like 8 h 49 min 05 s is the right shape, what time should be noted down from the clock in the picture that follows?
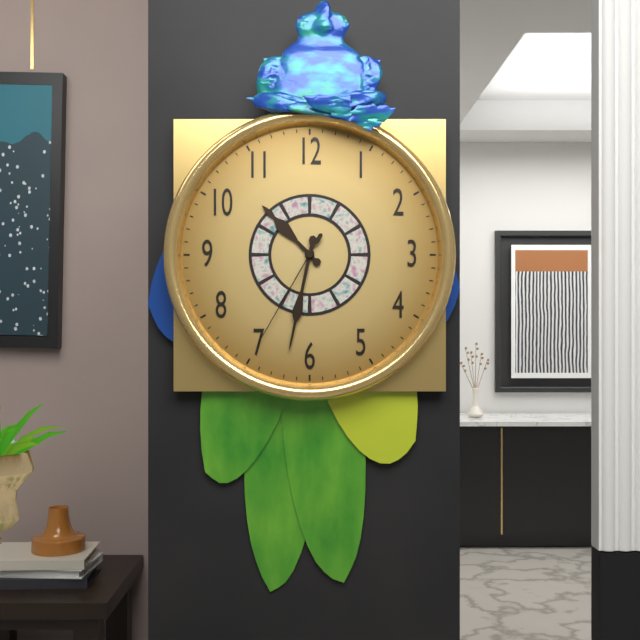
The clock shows 10 h 32 min 35 s
